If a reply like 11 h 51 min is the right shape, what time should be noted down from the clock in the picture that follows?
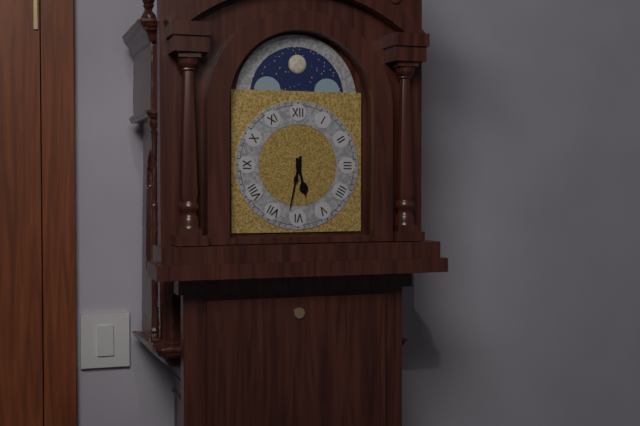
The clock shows 5 h 32 min
